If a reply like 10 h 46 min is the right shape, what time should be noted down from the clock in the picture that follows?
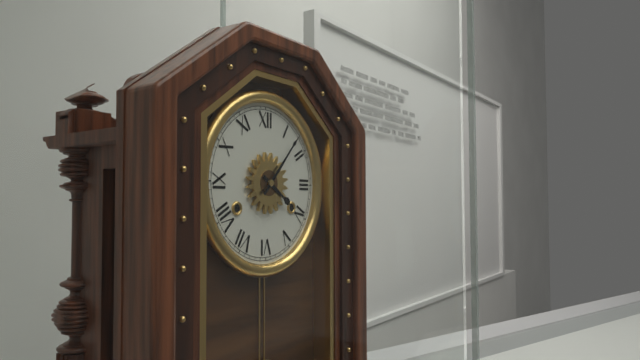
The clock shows 4 h 07 min
